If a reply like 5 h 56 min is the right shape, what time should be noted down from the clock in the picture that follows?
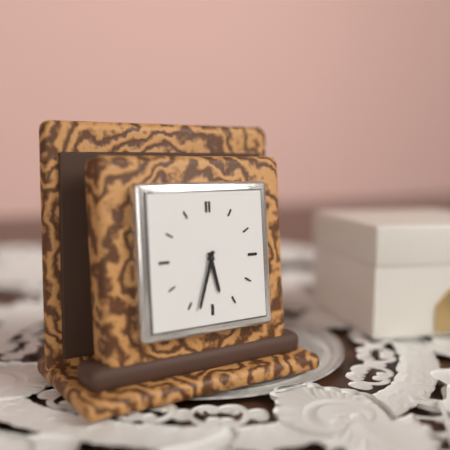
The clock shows 5 h 33 min
